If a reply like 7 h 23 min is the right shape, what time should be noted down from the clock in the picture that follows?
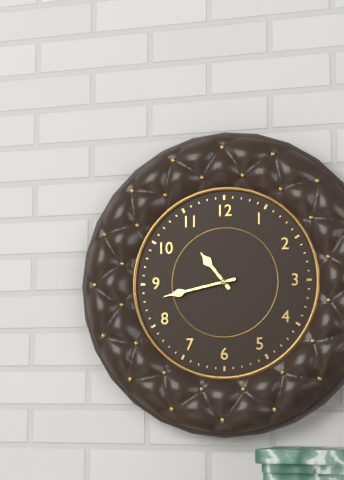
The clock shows 10 h 43 min
